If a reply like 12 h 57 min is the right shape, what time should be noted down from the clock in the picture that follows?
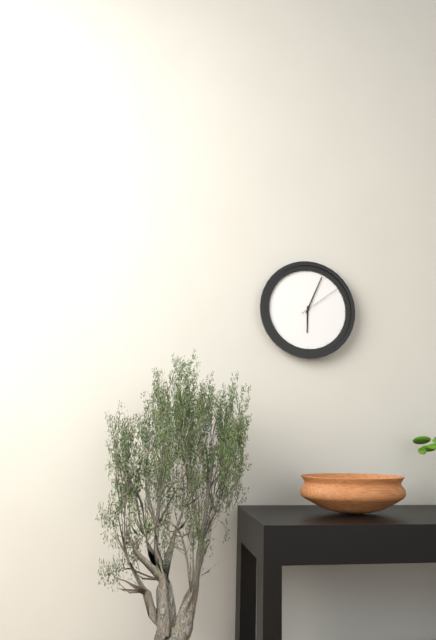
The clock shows 6 h 04 min
